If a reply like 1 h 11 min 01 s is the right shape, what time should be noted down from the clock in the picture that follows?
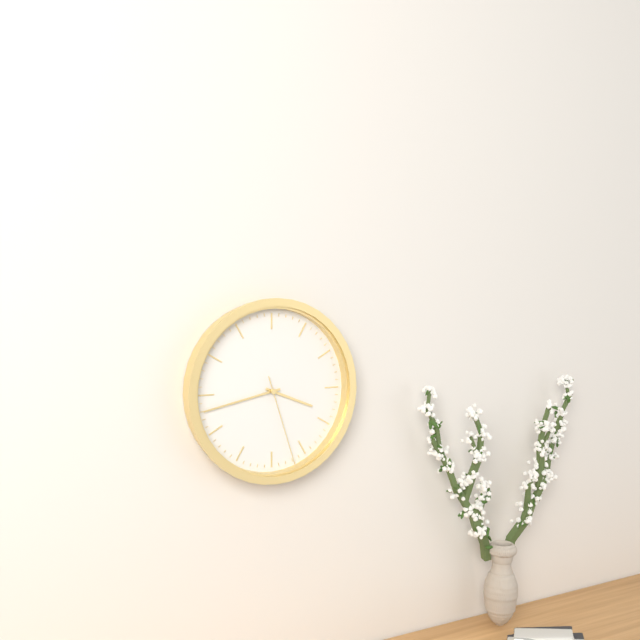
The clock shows 3 h 43 min 27 s
